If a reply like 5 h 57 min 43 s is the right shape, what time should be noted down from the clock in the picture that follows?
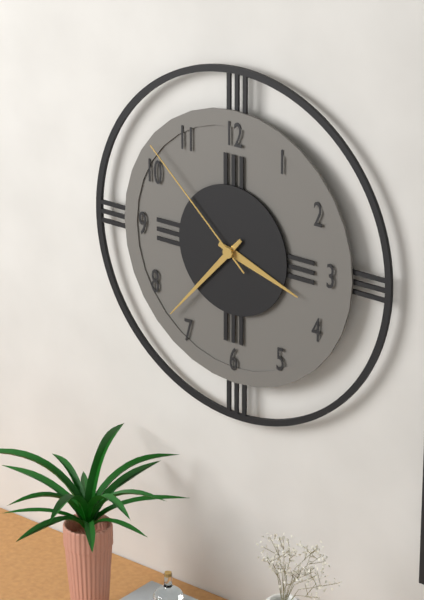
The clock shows 3 h 37 min 52 s
